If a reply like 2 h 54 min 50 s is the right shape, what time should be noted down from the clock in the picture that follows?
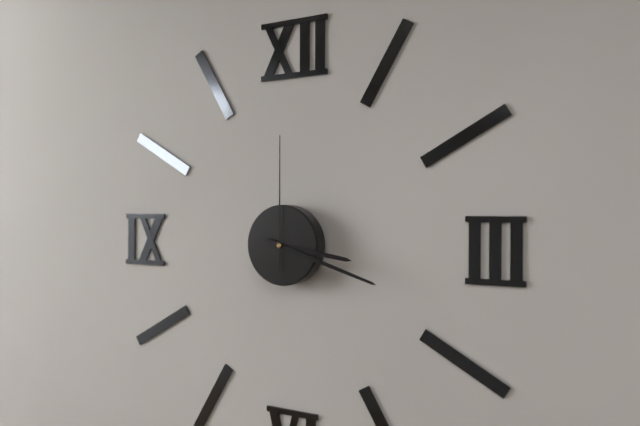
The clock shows 3 h 18 min 00 s
